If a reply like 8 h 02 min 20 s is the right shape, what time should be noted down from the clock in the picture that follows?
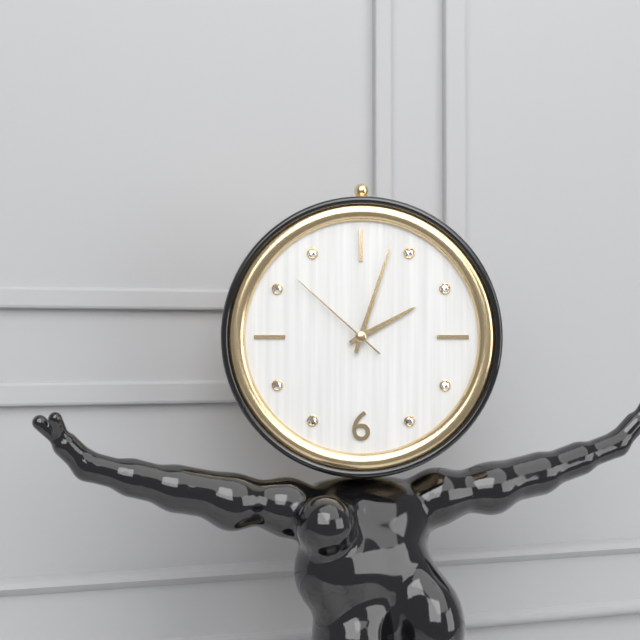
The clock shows 2 h 03 min 52 s
